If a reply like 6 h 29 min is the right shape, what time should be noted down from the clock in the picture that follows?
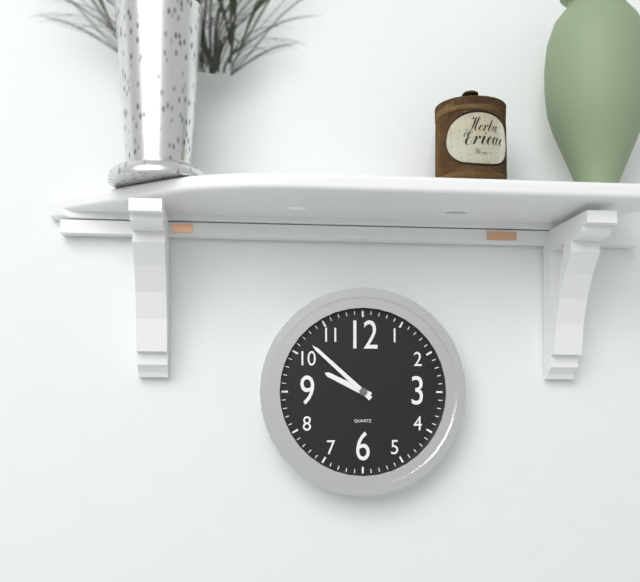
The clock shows 9 h 52 min
